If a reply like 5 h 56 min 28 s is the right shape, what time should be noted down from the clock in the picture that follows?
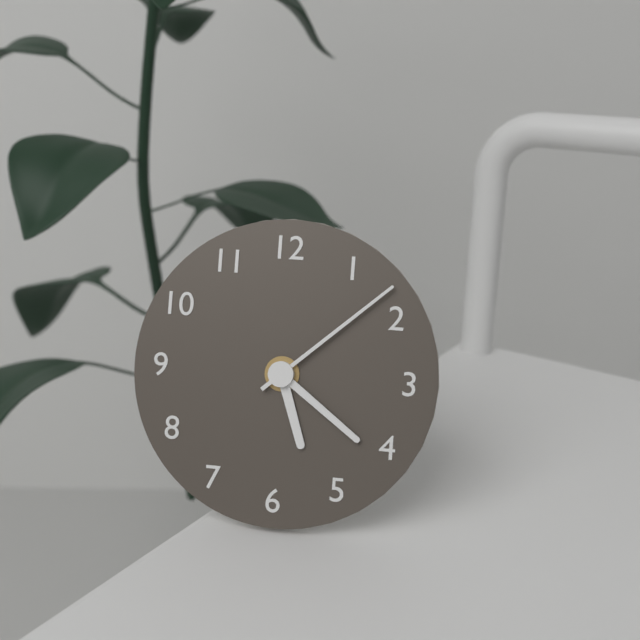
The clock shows 5 h 21 min 08 s
